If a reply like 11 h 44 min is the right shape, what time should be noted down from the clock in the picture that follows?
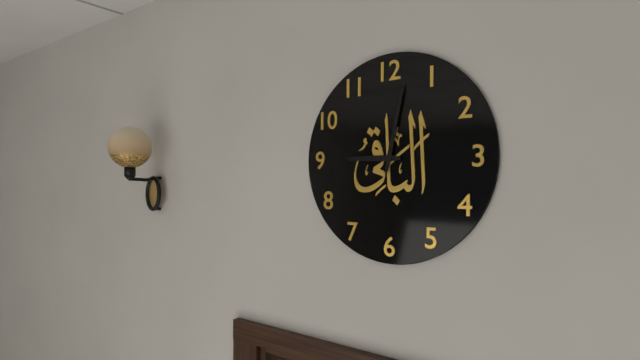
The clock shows 9 h 02 min
